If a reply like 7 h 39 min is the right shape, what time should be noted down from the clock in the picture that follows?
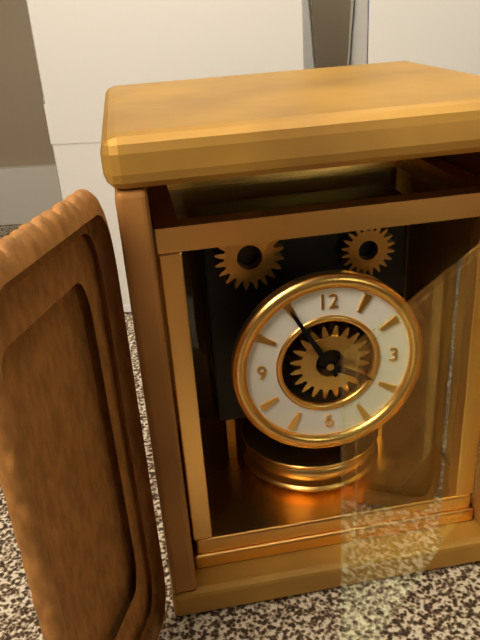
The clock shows 3 h 55 min
